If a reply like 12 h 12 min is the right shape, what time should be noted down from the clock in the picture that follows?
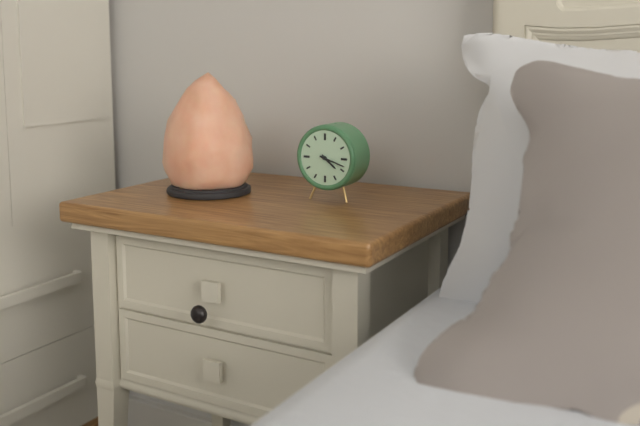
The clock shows 4 h 18 min
